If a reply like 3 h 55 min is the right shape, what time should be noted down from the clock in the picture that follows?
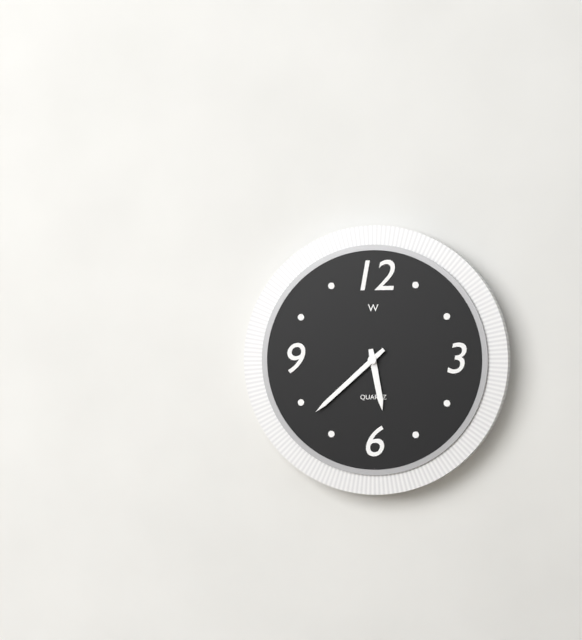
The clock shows 5 h 38 min
